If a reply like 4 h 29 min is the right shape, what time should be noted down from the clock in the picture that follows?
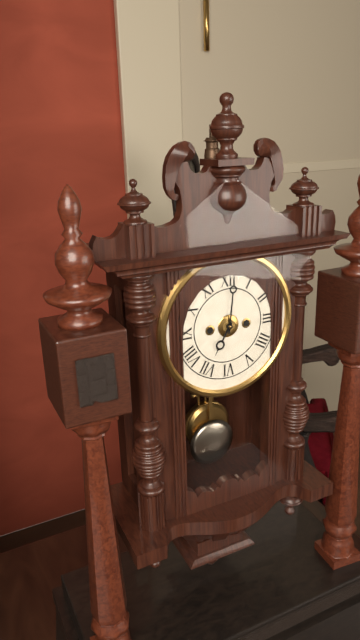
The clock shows 7 h 01 min
